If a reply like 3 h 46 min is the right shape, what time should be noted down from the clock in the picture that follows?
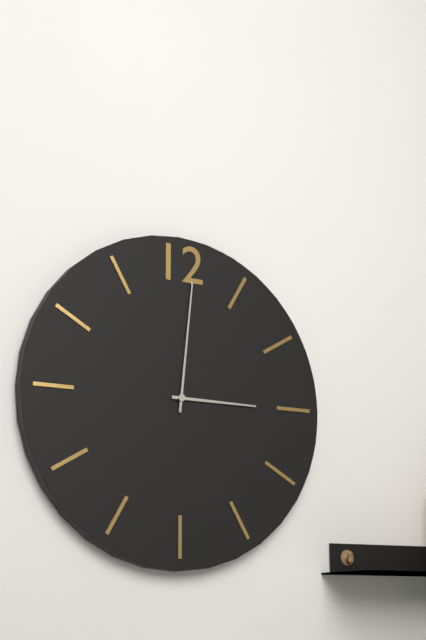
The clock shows 3 h 01 min
